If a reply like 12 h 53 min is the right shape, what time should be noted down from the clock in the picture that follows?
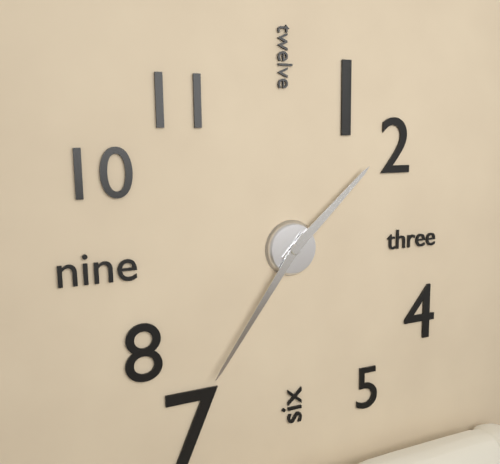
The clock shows 1 h 36 min
